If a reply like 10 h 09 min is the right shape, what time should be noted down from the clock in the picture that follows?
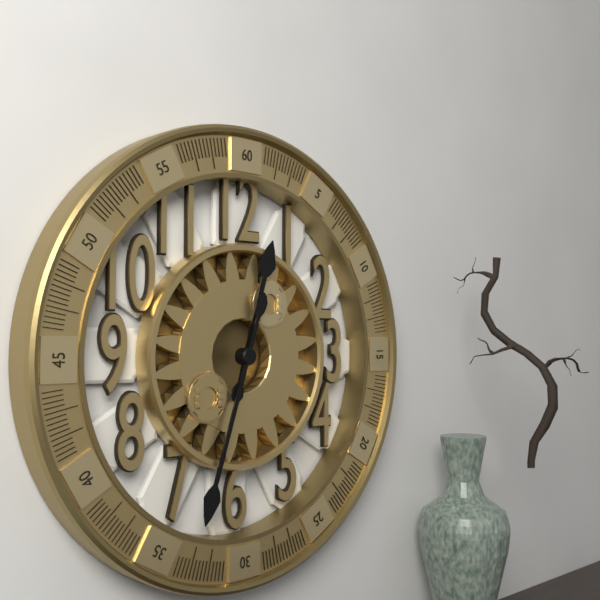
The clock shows 12 h 33 min
